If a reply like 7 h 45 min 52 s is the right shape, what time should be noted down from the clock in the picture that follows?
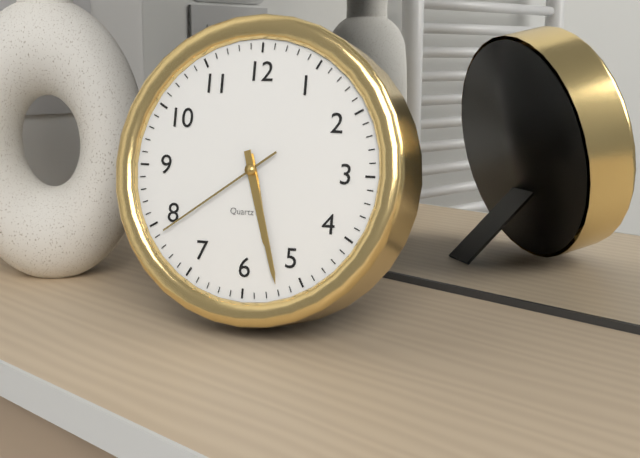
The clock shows 5 h 27 min 39 s
